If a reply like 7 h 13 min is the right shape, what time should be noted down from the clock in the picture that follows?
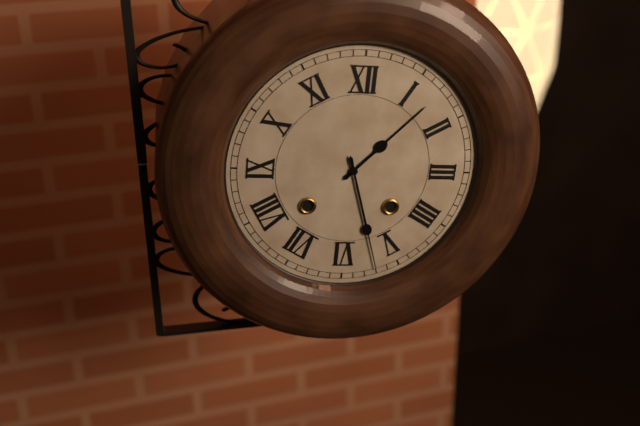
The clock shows 1 h 27 min
